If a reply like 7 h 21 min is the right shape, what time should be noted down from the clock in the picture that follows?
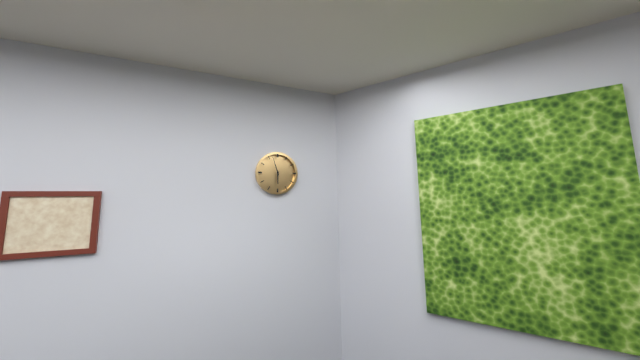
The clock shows 5 h 57 min
